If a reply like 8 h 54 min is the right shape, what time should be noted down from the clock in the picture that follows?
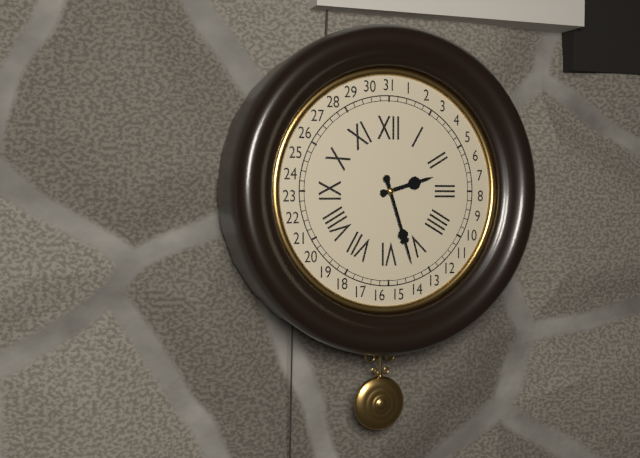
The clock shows 2 h 27 min
